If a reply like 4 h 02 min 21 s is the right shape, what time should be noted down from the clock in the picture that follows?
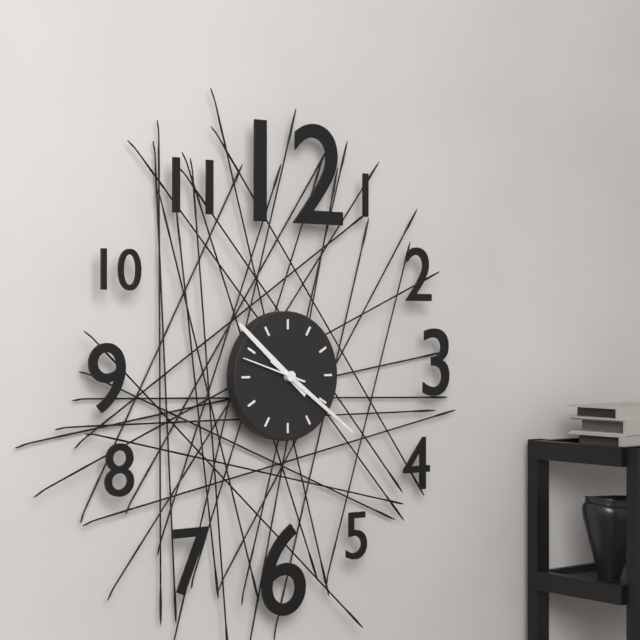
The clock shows 10 h 21 min 48 s
